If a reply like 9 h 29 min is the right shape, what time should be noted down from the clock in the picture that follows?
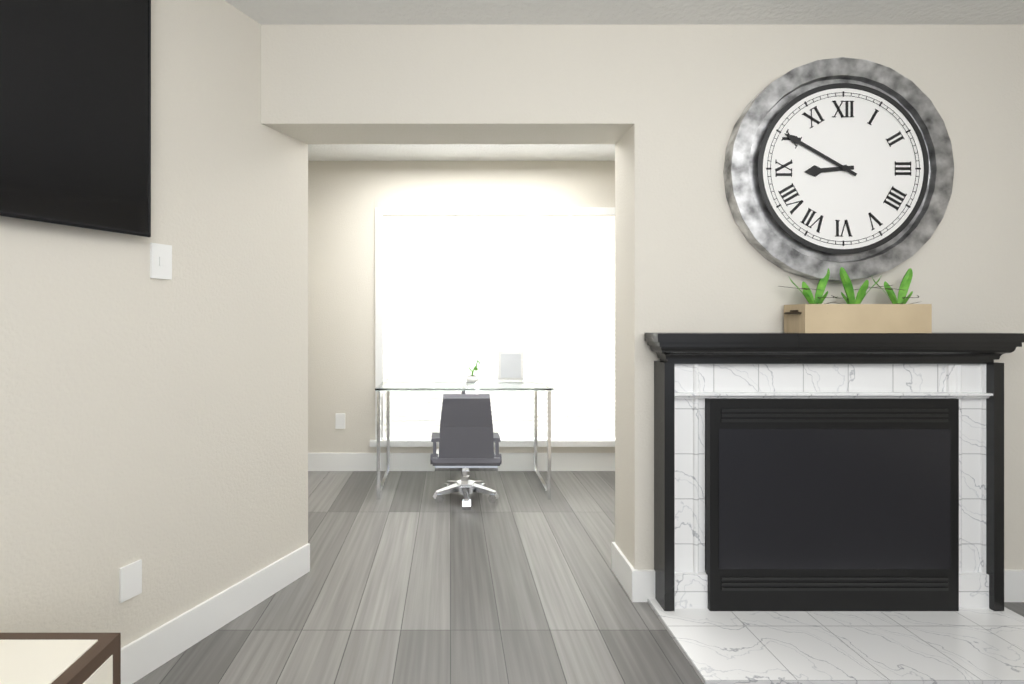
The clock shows 8 h 50 min
